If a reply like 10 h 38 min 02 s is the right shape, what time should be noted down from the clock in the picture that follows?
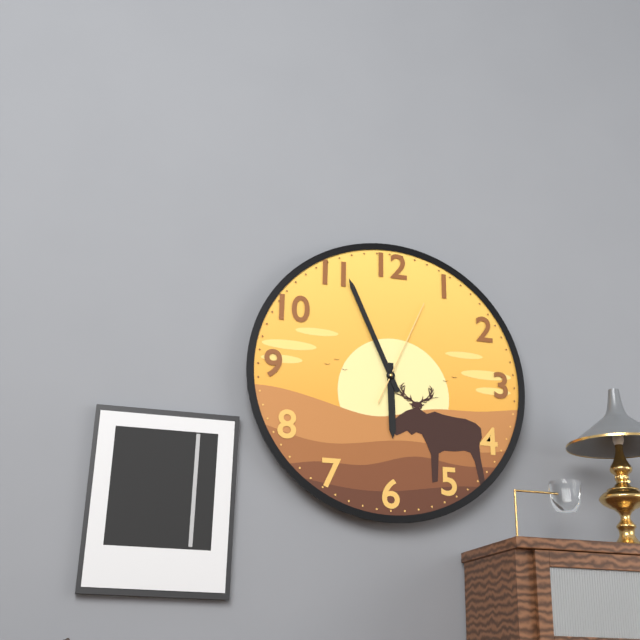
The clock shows 5 h 56 min 04 s
